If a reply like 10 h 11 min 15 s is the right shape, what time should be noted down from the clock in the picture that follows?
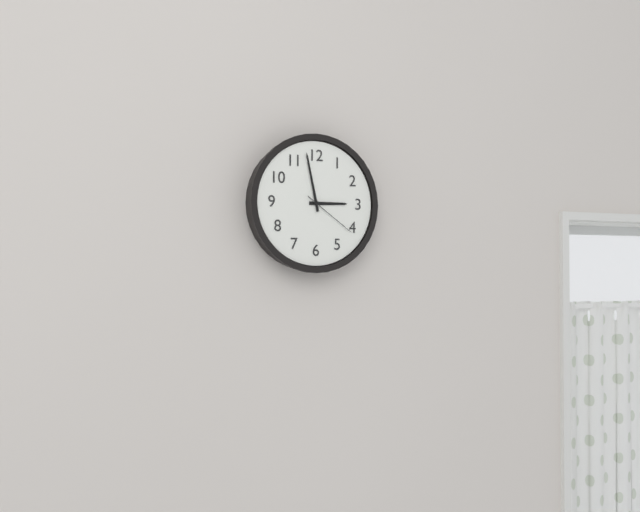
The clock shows 2 h 58 min 21 s
